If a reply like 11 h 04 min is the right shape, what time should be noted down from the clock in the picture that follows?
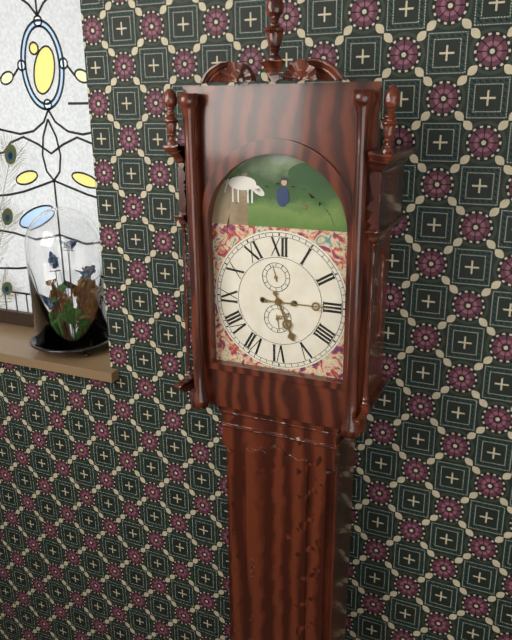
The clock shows 5 h 15 min
